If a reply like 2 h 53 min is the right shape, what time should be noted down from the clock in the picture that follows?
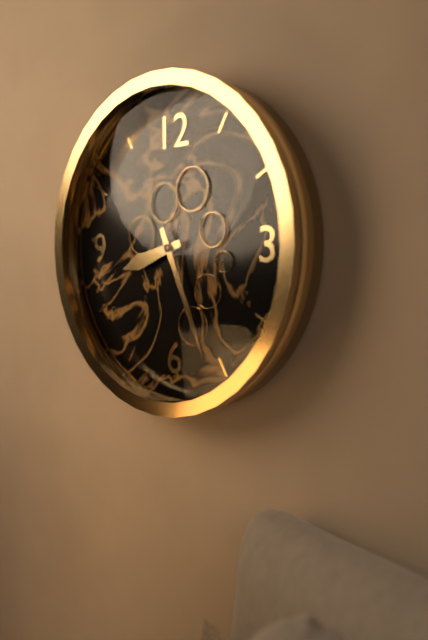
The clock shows 8 h 26 min
